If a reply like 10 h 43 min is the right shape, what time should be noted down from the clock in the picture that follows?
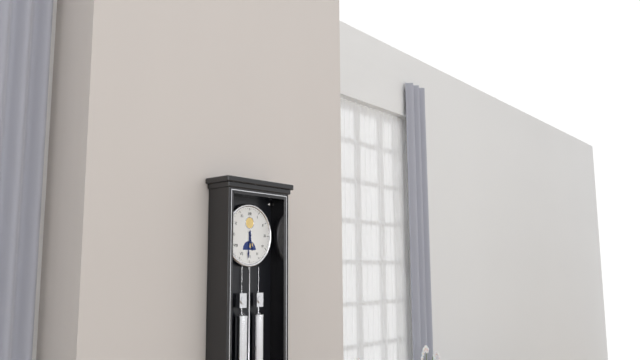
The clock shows 5 h 31 min
